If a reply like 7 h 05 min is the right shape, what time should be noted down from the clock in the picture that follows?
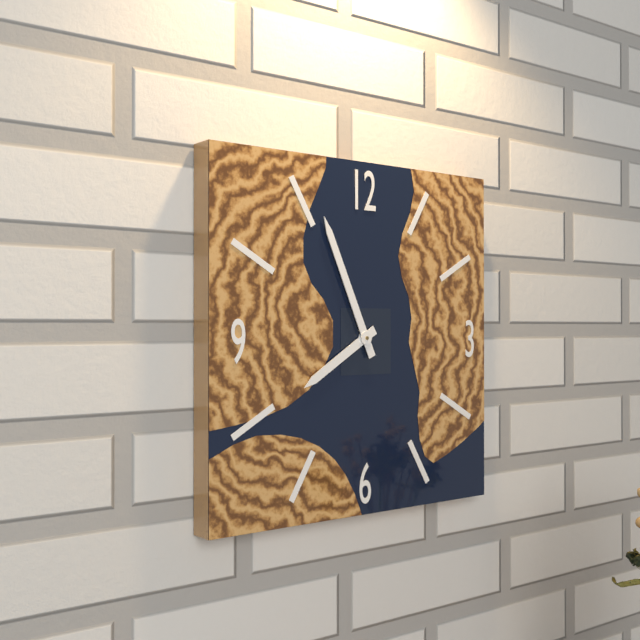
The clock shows 7 h 56 min
